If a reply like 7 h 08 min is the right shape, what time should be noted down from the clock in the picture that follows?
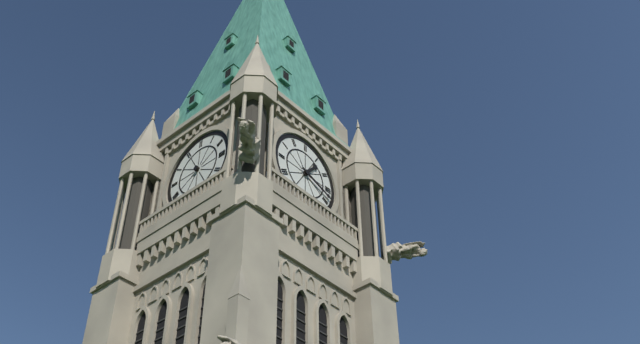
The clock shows 1 h 18 min
